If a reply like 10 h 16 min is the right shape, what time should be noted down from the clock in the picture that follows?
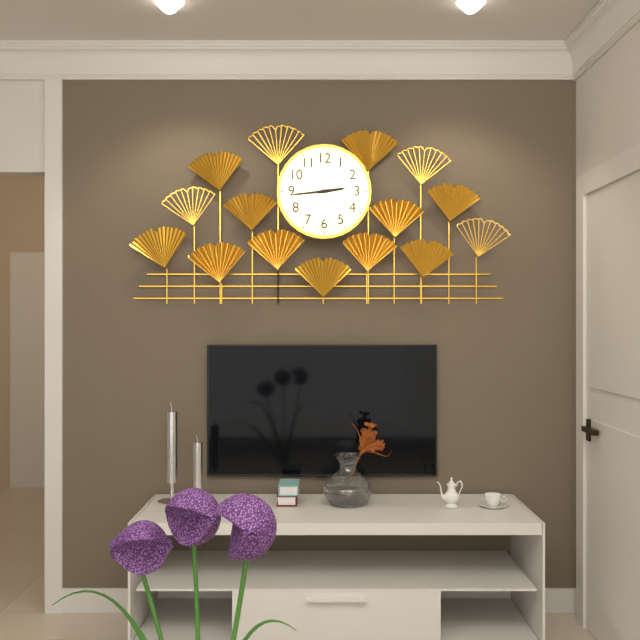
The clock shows 2 h 44 min
